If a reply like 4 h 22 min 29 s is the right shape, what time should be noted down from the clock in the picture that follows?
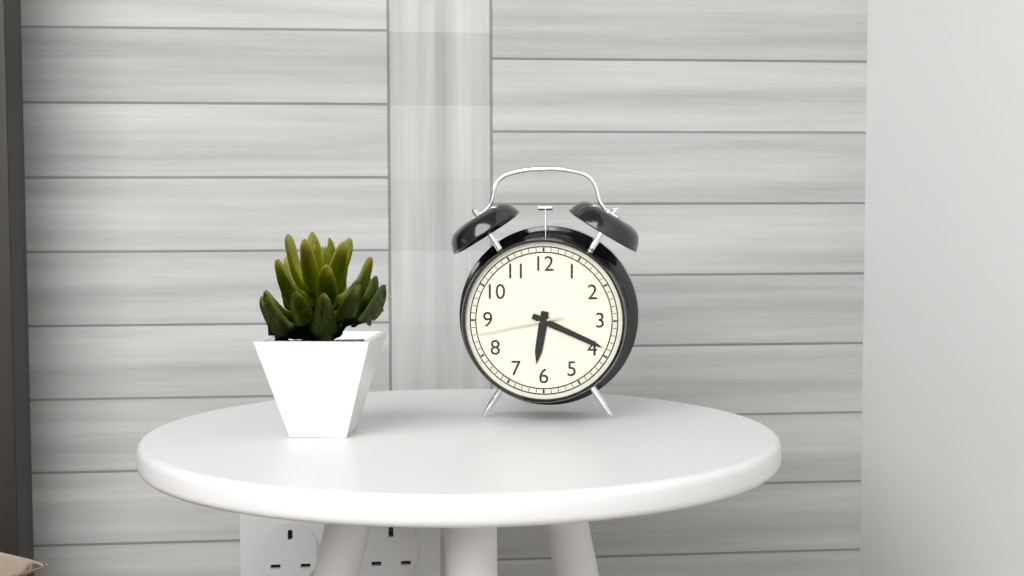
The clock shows 6 h 19 min 43 s
